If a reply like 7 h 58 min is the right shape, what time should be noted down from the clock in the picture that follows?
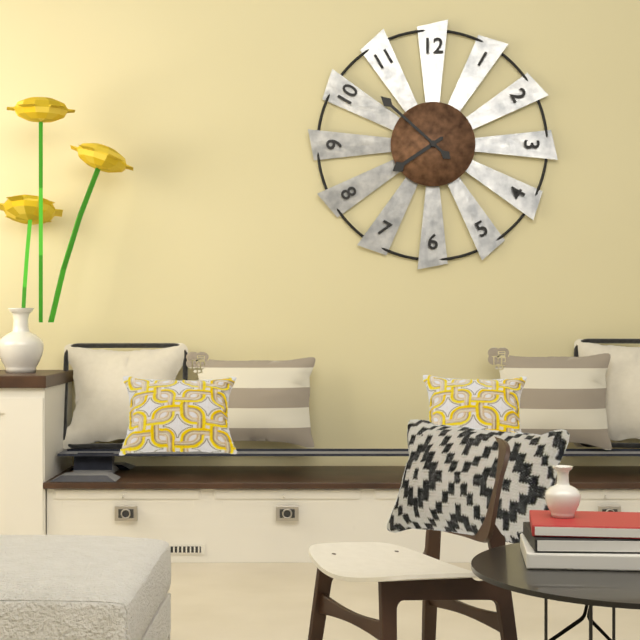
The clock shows 7 h 52 min
